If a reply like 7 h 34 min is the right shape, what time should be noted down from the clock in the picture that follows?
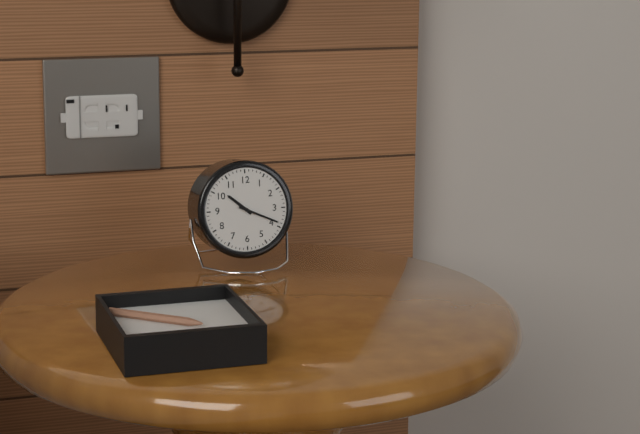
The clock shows 10 h 19 min
